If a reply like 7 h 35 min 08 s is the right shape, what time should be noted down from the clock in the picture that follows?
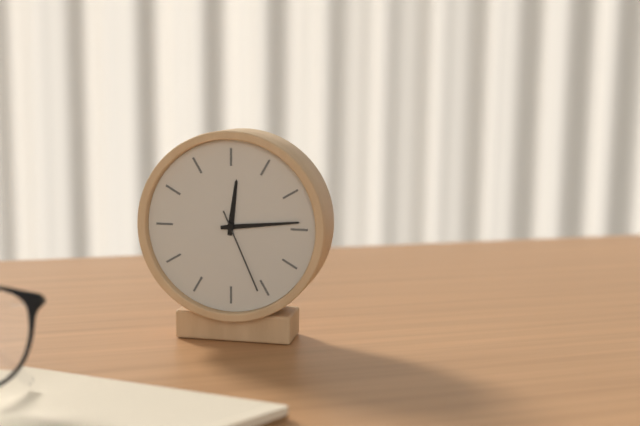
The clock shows 12 h 14 min 26 s
